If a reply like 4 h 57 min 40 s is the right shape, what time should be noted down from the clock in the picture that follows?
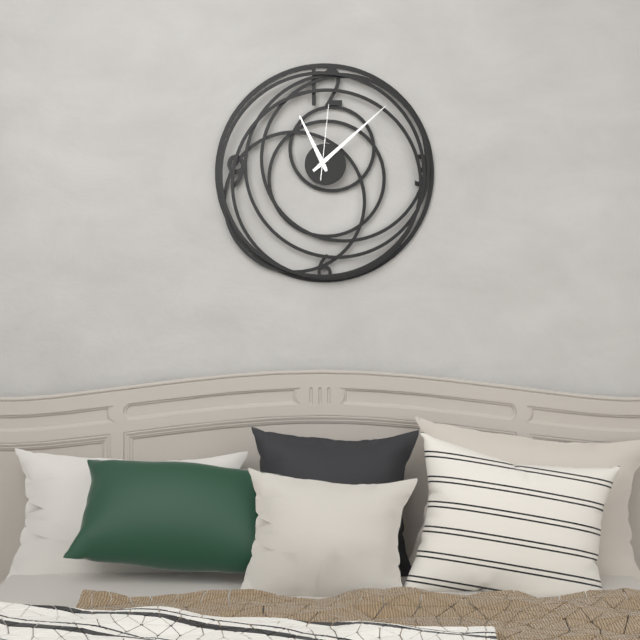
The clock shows 11 h 08 min 01 s
